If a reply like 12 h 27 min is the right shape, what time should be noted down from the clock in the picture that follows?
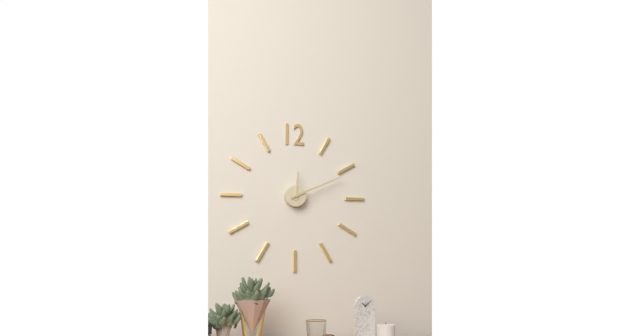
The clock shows 12 h 11 min
